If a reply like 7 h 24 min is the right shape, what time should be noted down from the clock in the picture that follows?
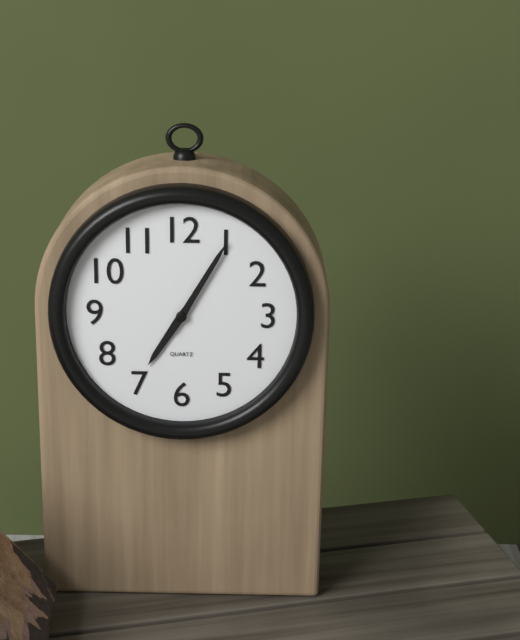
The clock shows 7 h 05 min
